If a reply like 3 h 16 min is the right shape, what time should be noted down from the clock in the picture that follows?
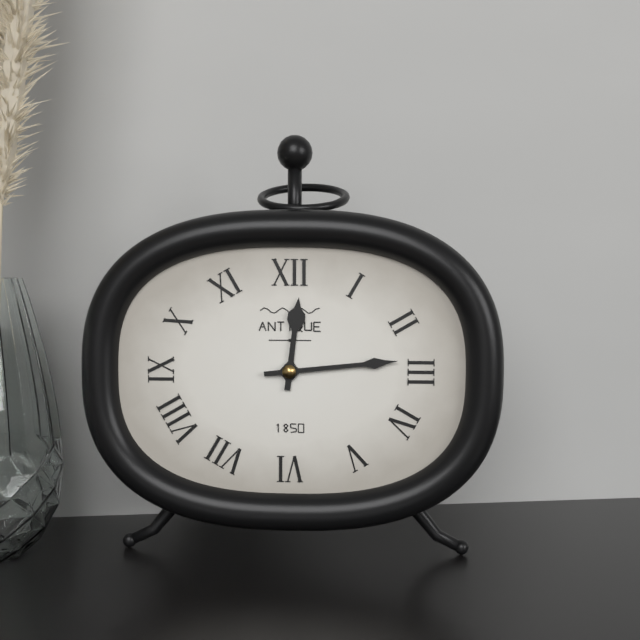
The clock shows 12 h 14 min
